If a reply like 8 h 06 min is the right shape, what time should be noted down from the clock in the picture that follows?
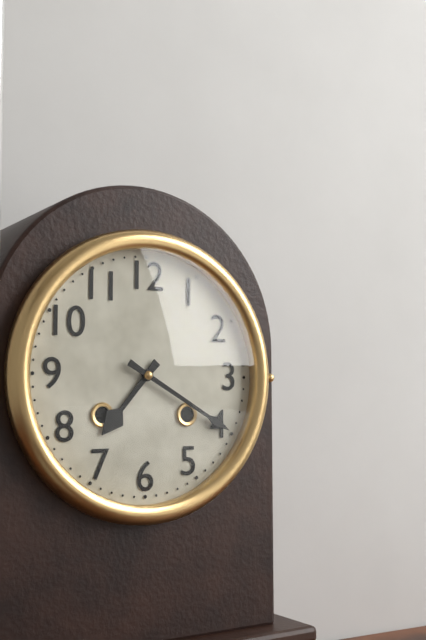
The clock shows 7 h 20 min
